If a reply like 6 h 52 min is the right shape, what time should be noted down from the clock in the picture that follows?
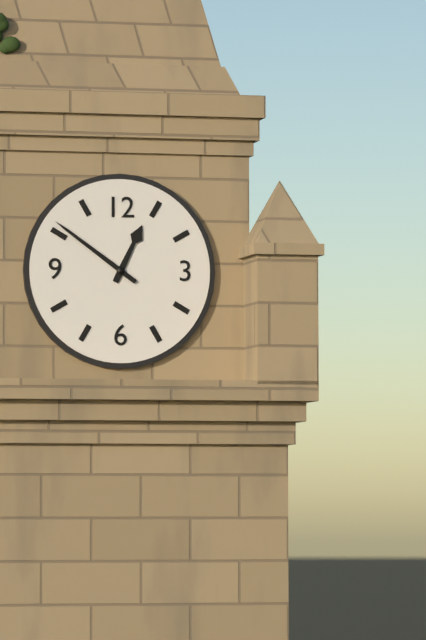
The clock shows 12 h 51 min
